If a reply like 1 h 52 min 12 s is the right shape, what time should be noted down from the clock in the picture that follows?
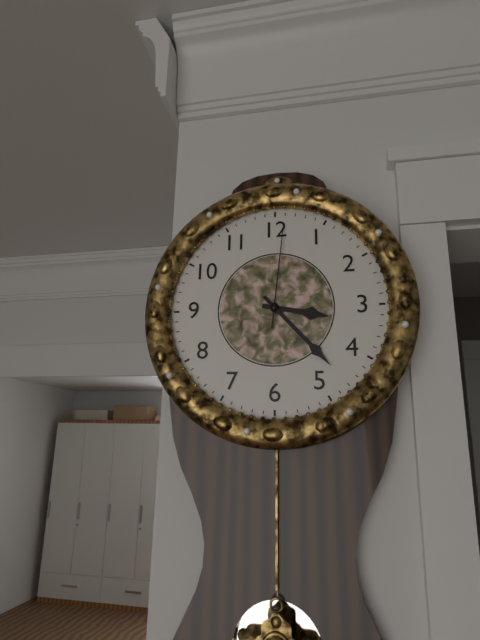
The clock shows 3 h 23 min 01 s
